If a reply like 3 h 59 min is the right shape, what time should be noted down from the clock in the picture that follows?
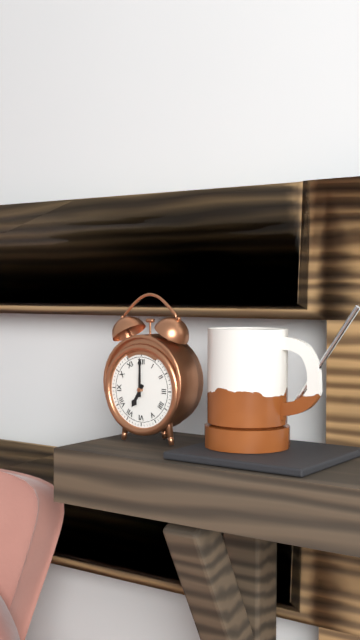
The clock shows 7 h 00 min
